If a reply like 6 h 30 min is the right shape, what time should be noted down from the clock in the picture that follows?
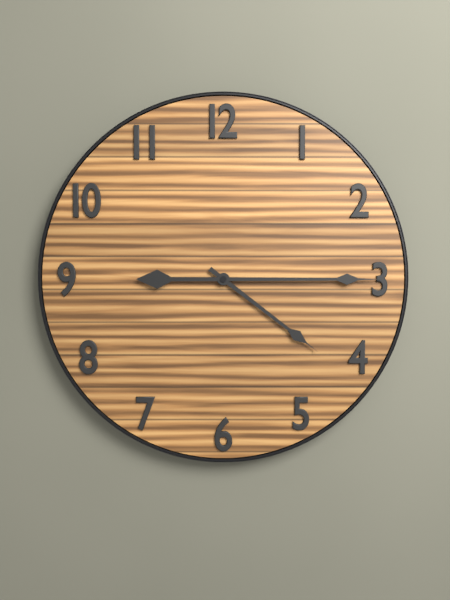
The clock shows 4 h 15 min
